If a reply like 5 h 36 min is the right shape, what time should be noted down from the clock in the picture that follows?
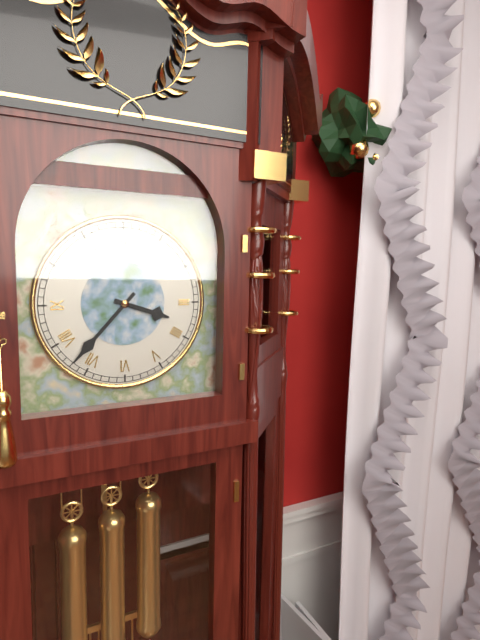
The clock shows 3 h 37 min
